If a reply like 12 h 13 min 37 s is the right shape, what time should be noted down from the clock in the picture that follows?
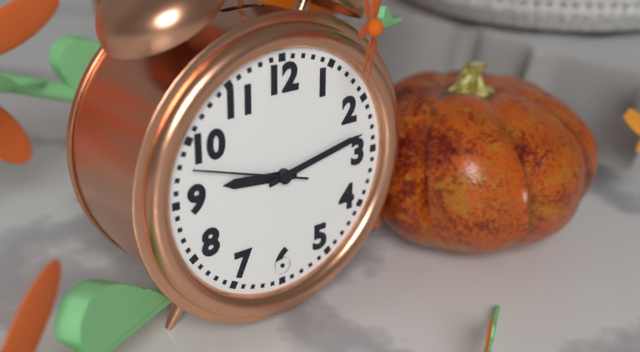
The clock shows 9 h 13 min 48 s
